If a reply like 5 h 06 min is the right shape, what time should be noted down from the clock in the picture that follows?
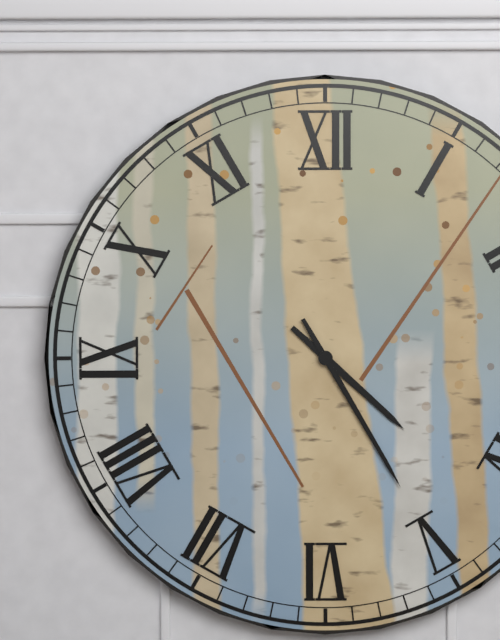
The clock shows 4 h 25 min
